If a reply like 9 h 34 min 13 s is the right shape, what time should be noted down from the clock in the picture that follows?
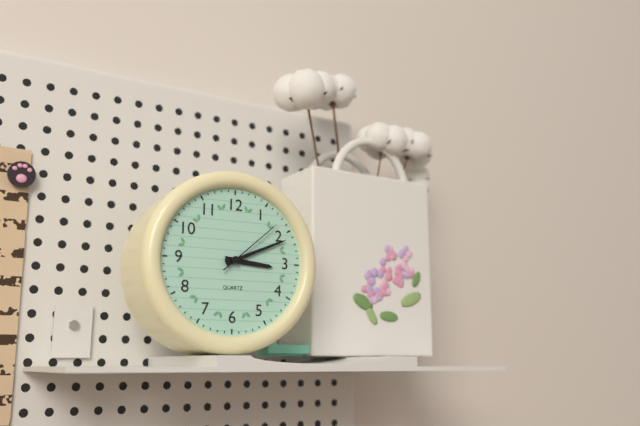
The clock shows 3 h 11 min 08 s
